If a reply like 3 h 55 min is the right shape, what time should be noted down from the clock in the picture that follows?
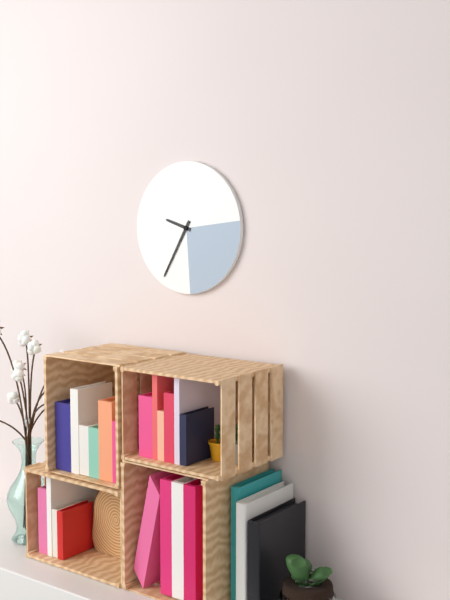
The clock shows 9 h 35 min
